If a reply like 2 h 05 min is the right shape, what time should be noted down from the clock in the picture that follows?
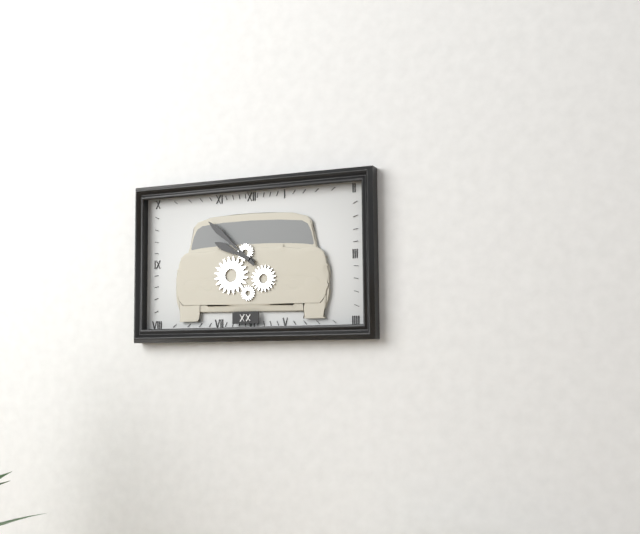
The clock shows 9 h 52 min
